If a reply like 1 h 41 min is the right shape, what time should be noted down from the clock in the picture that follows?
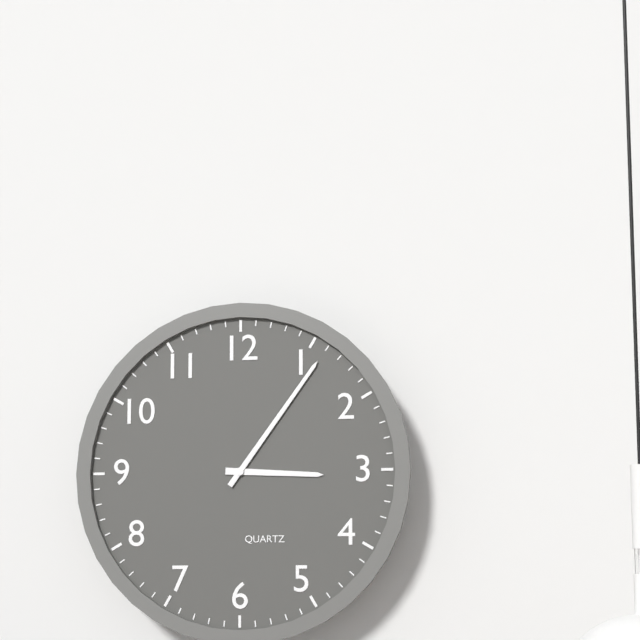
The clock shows 3 h 06 min
